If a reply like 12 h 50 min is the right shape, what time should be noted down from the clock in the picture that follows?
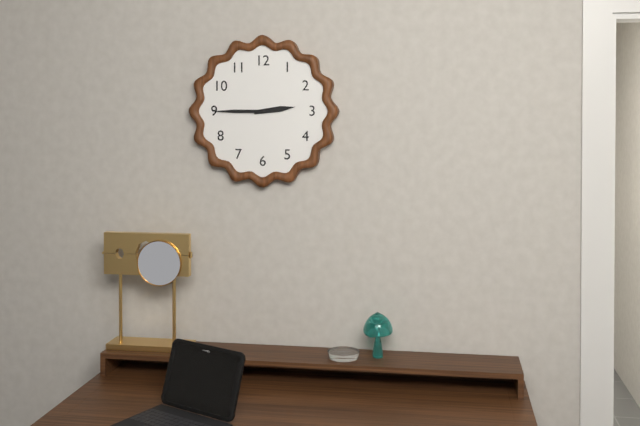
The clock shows 2 h 45 min
